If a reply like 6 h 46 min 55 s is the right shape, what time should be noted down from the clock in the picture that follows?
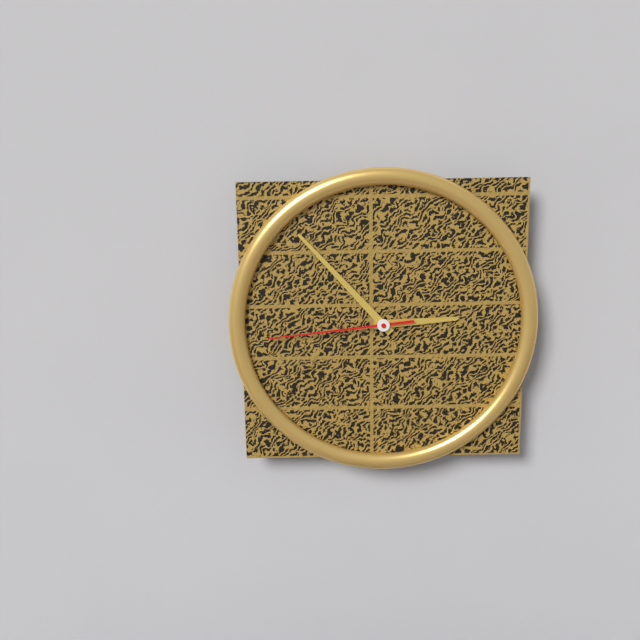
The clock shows 2 h 53 min 44 s
